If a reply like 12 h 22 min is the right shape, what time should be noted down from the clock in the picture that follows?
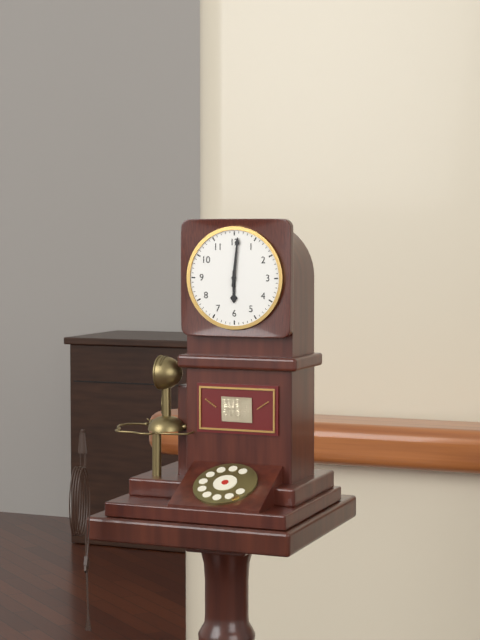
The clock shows 6 h 01 min
